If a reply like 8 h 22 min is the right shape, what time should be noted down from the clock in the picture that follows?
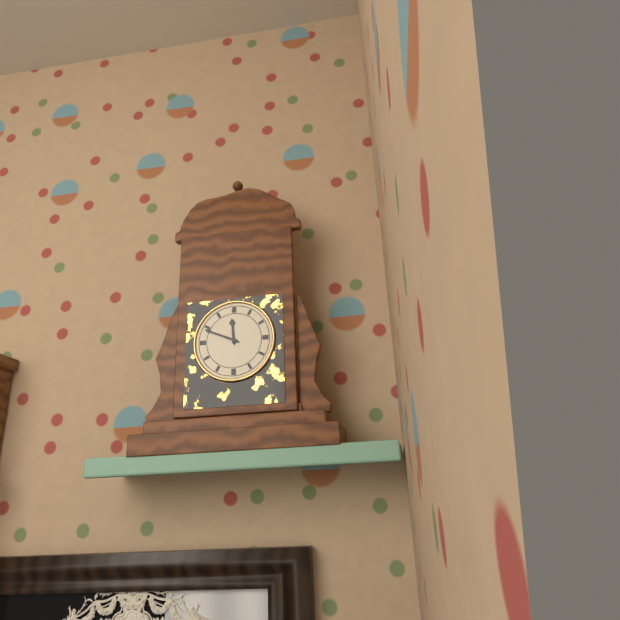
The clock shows 11 h 49 min
